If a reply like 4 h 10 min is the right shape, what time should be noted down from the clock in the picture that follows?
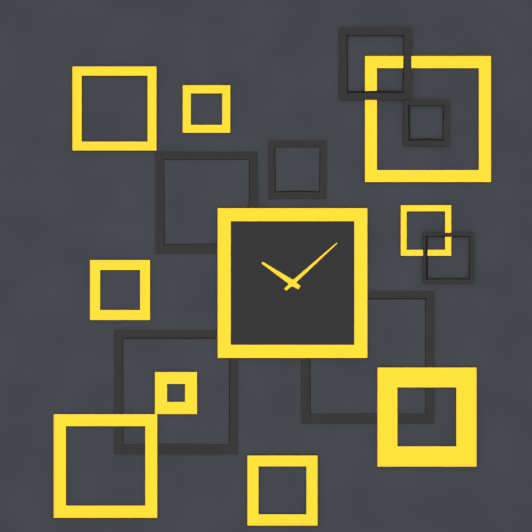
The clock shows 10 h 08 min
